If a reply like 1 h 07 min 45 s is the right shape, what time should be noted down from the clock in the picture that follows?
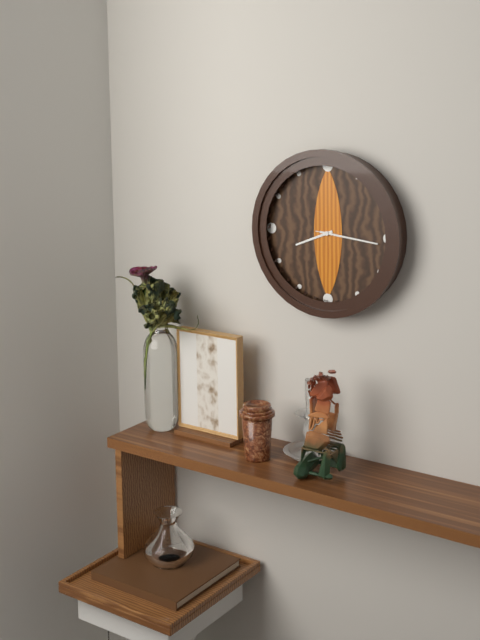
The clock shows 8 h 16 min 16 s
